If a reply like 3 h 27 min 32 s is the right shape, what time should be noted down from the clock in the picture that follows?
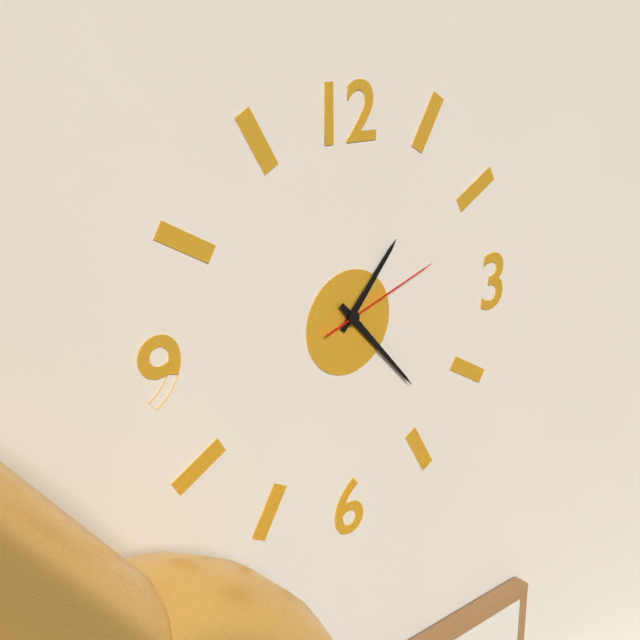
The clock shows 1 h 23 min 12 s
